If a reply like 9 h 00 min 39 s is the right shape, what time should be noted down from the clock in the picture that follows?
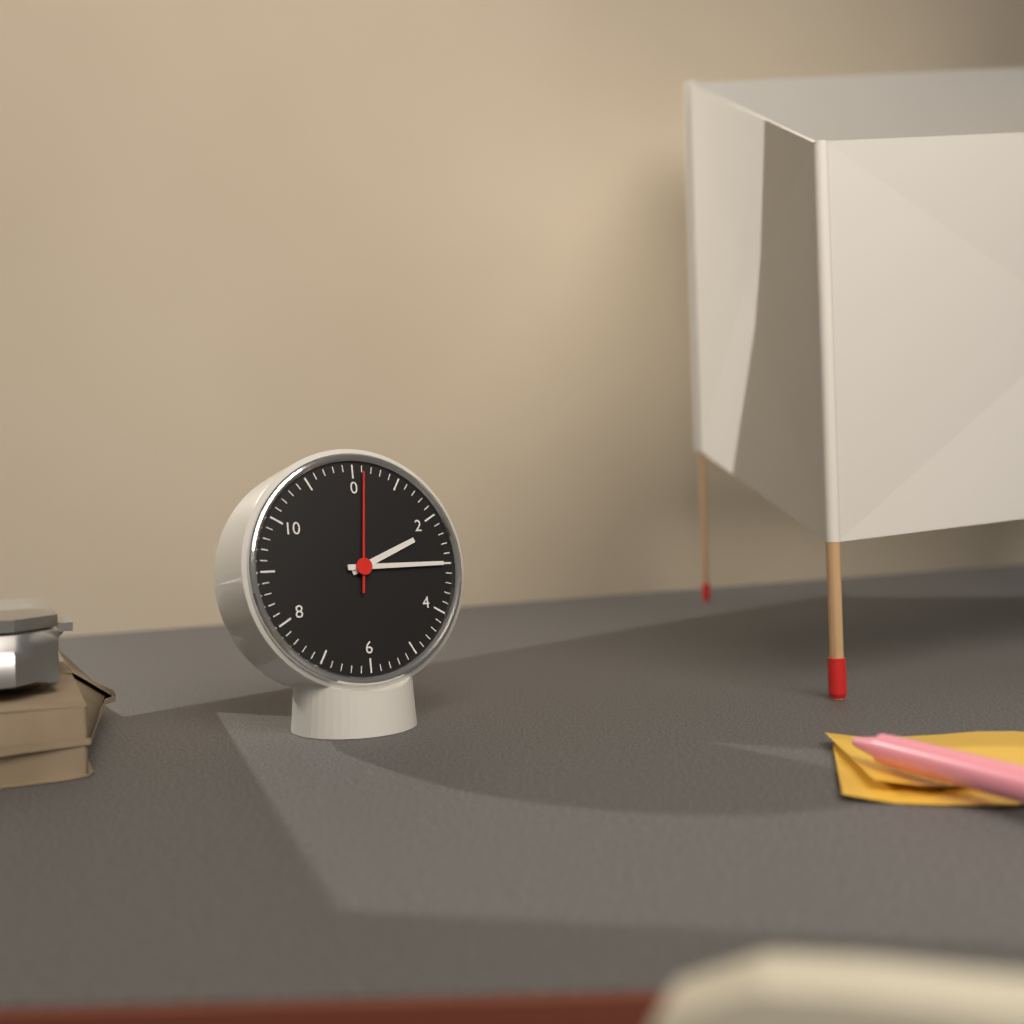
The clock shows 2 h 15 min 01 s
